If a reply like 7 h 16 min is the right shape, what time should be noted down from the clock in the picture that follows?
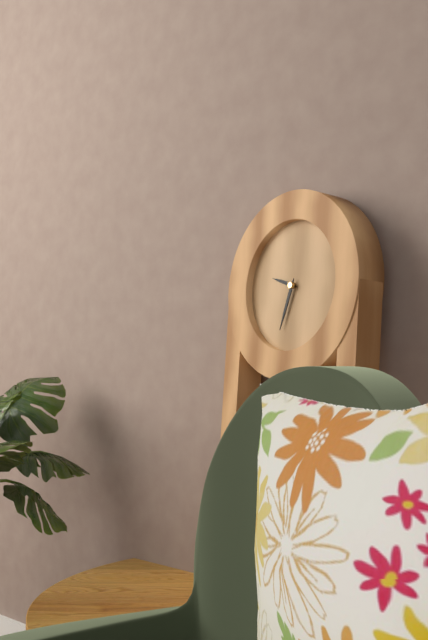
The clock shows 9 h 33 min
